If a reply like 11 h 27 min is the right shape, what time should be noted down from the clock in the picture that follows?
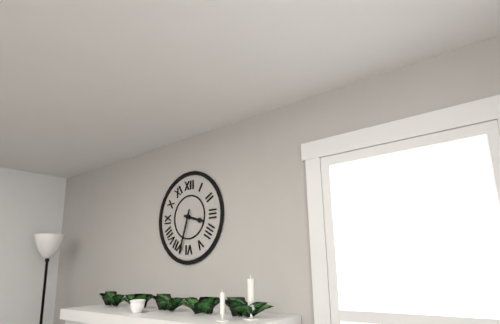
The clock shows 3 h 33 min
